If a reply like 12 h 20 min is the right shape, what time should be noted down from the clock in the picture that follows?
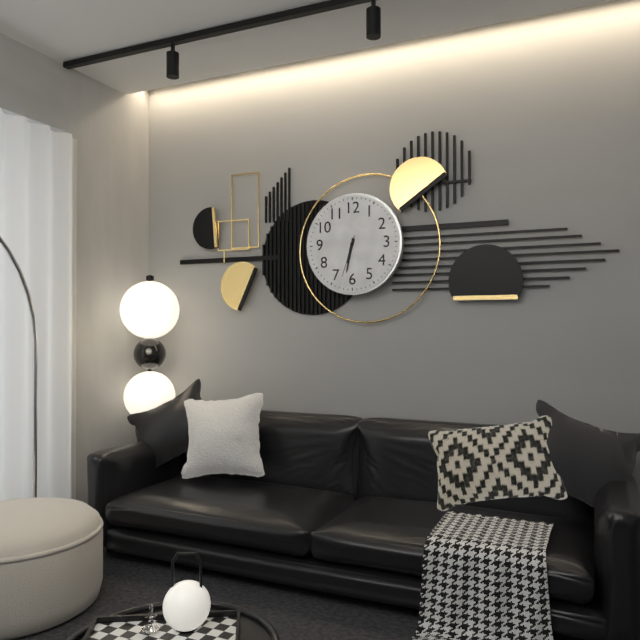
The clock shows 6 h 32 min
